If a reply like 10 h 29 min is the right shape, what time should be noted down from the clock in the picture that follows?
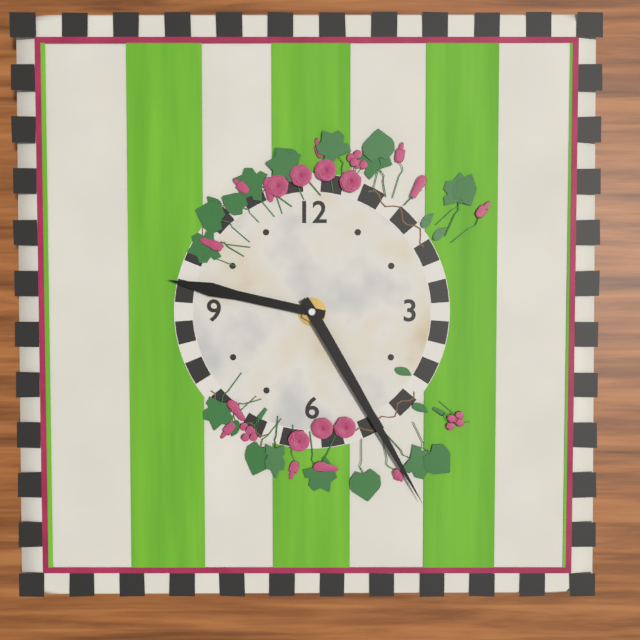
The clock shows 9 h 25 min
